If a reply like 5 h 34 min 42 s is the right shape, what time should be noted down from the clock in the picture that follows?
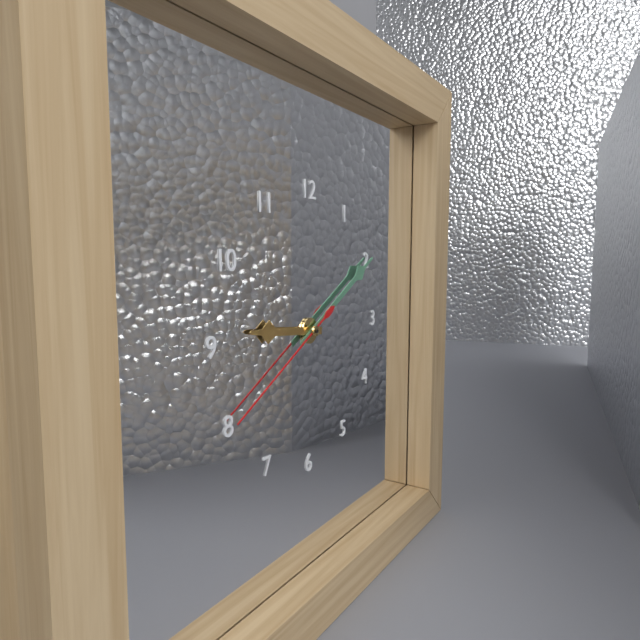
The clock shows 9 h 10 min 40 s
